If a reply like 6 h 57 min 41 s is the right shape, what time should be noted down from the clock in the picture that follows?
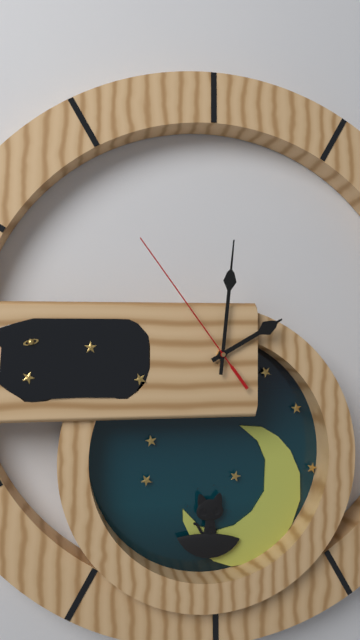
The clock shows 2 h 01 min 54 s
